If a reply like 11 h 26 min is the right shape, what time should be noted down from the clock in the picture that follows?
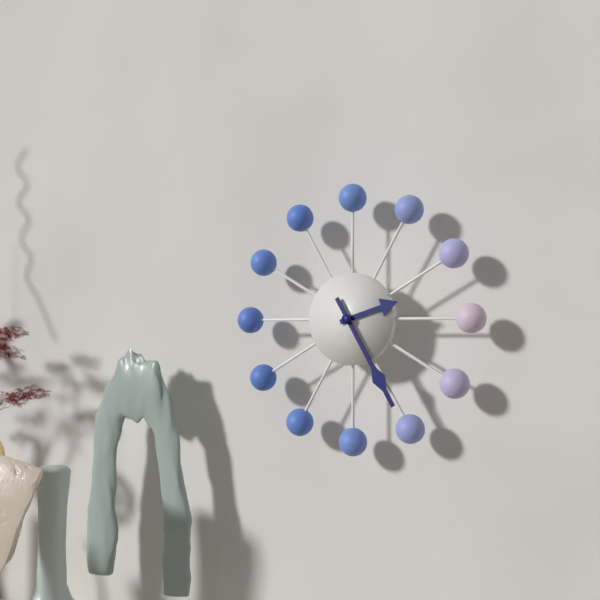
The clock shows 2 h 25 min
